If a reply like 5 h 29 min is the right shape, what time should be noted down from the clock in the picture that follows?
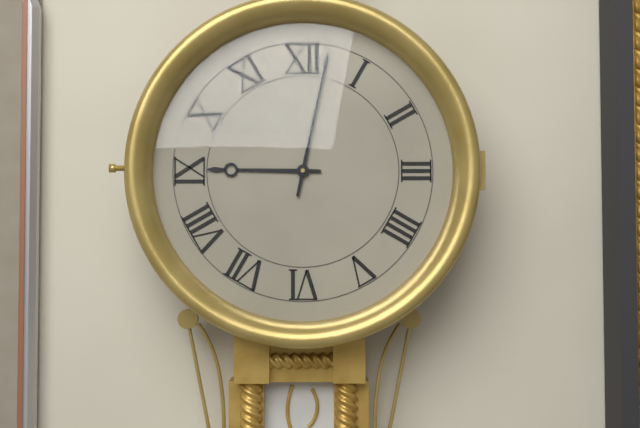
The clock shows 9 h 02 min
